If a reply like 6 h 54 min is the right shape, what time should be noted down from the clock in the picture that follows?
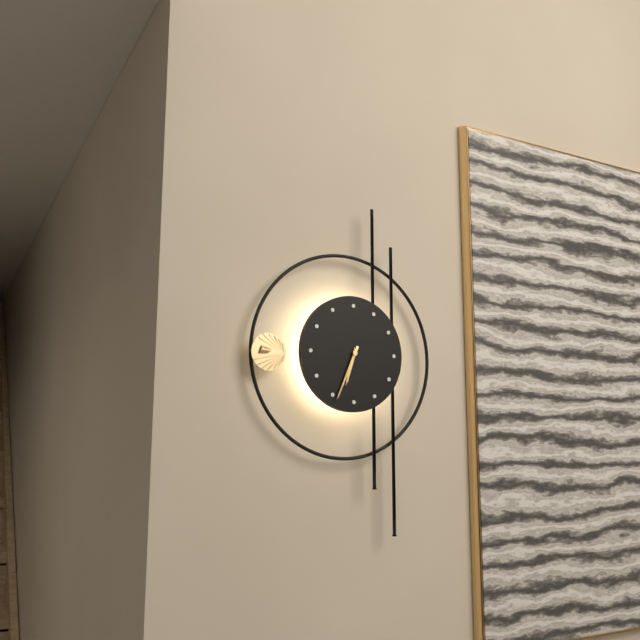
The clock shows 6 h 34 min
